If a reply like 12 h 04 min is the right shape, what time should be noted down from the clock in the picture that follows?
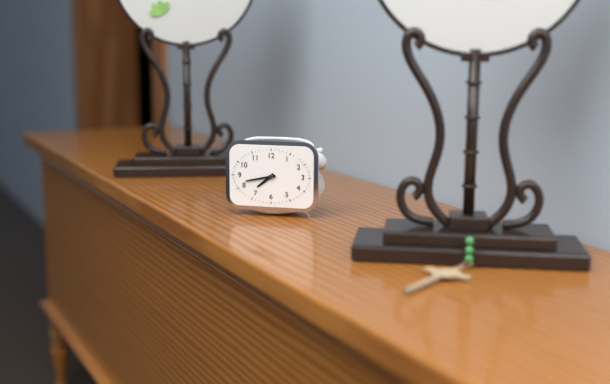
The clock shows 7 h 43 min
